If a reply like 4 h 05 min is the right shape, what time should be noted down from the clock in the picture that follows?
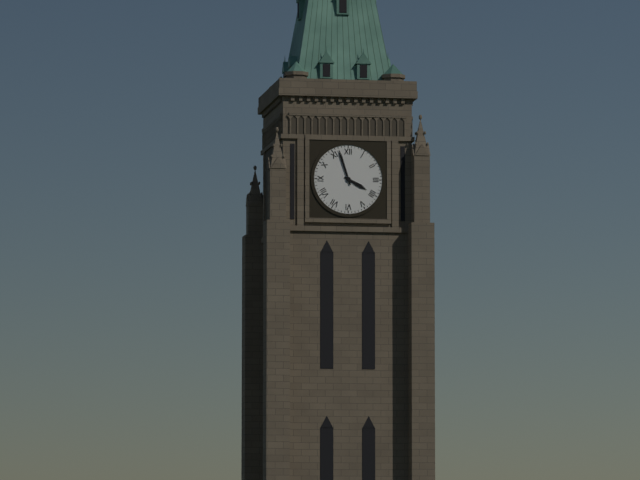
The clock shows 3 h 57 min
